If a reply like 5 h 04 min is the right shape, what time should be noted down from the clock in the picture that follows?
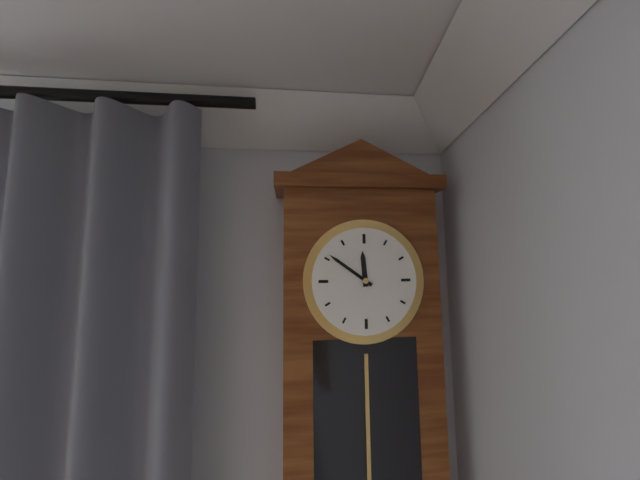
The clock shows 11 h 51 min
